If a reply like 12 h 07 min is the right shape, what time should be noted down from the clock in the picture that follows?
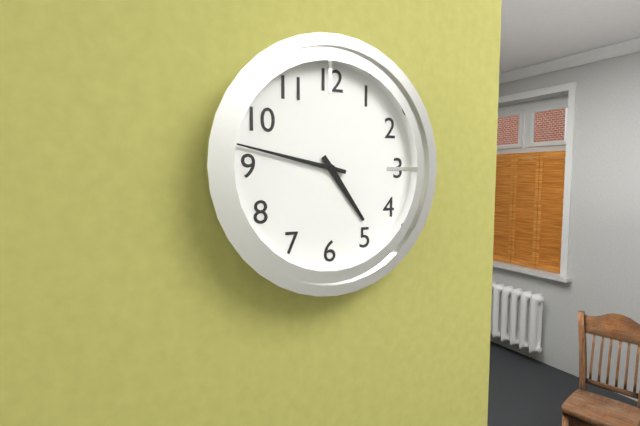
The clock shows 4 h 47 min
